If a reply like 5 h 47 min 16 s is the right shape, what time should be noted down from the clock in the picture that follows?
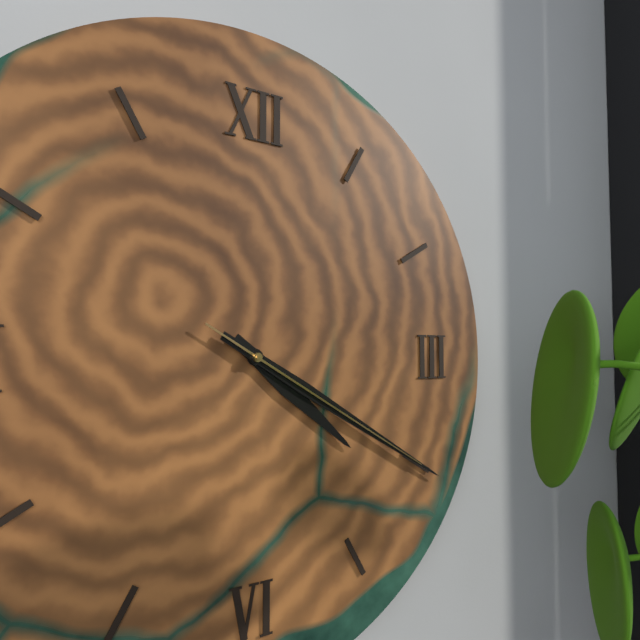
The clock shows 4 h 20 min 20 s
